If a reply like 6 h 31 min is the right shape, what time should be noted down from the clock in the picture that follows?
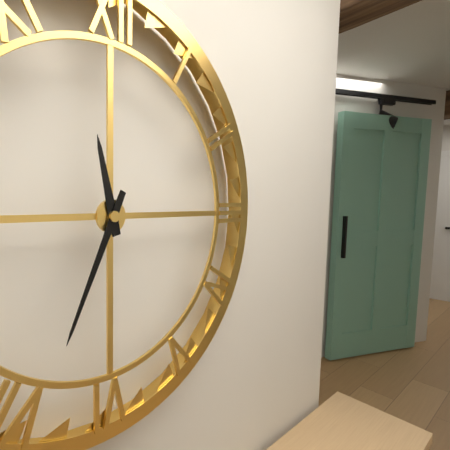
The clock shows 11 h 34 min
